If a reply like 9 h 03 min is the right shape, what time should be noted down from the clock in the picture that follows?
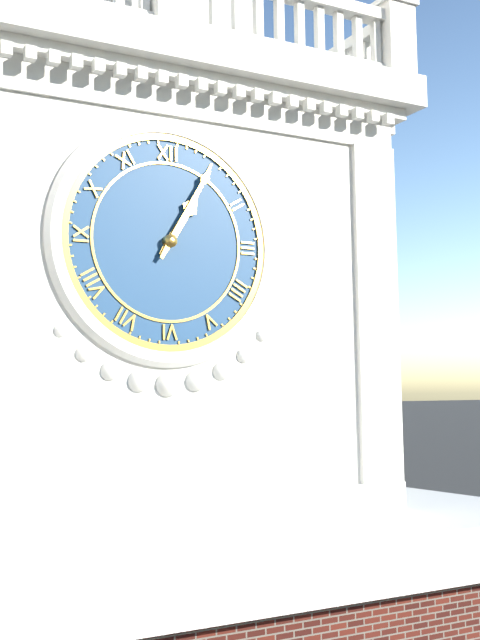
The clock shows 1 h 05 min
